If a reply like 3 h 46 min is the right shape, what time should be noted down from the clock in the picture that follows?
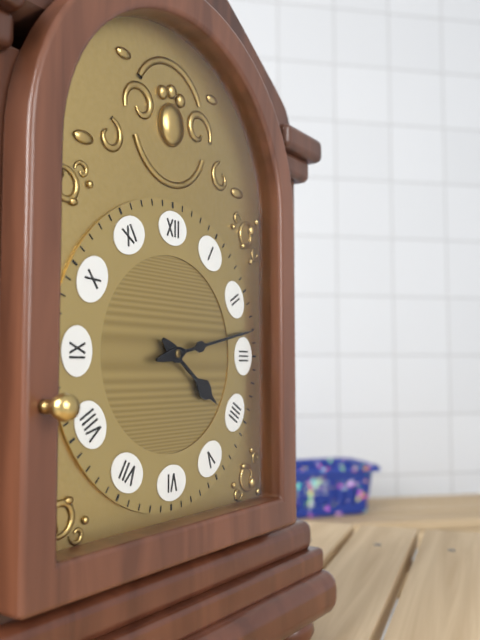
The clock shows 4 h 13 min
